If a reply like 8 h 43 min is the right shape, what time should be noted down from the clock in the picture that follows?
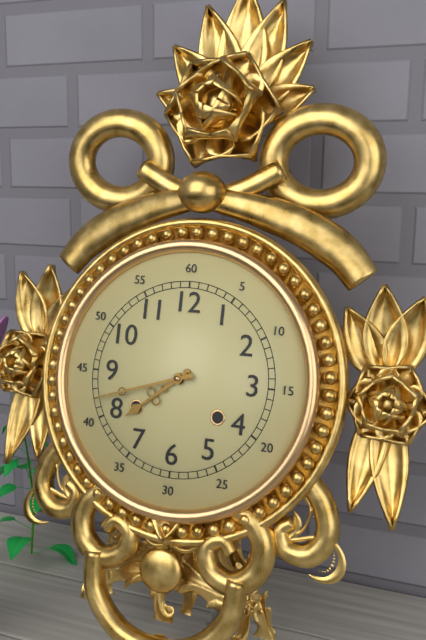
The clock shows 7 h 42 min
